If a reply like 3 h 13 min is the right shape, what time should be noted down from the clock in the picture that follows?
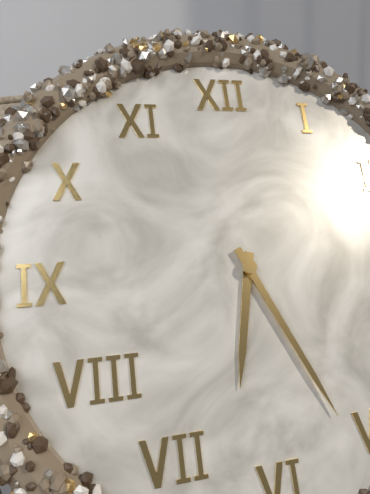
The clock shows 6 h 26 min
